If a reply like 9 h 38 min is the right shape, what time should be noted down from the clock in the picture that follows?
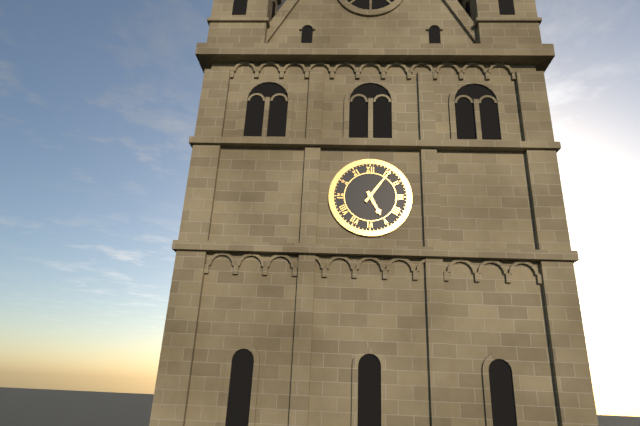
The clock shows 5 h 06 min
